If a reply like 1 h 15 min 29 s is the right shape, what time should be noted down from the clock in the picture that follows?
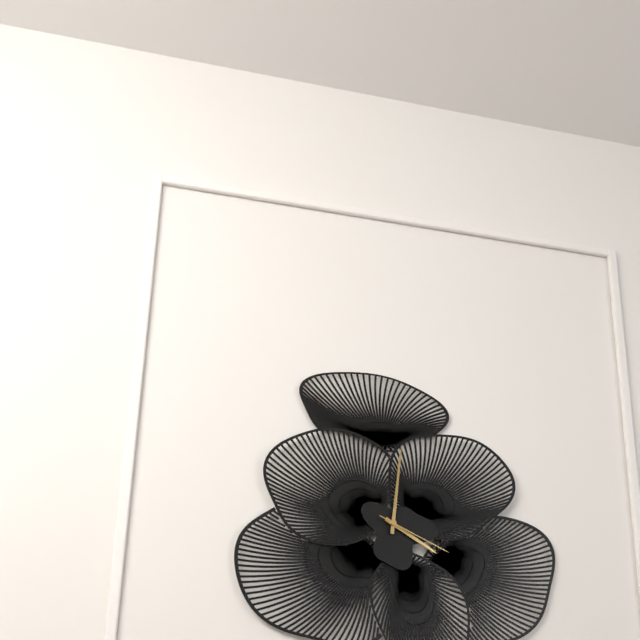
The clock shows 4 h 01 min 19 s
